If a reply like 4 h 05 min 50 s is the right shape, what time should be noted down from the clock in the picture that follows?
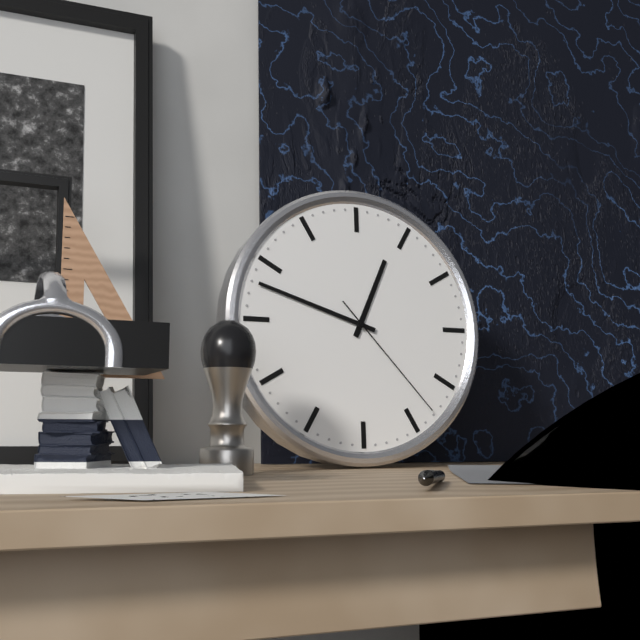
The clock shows 12 h 48 min 23 s
